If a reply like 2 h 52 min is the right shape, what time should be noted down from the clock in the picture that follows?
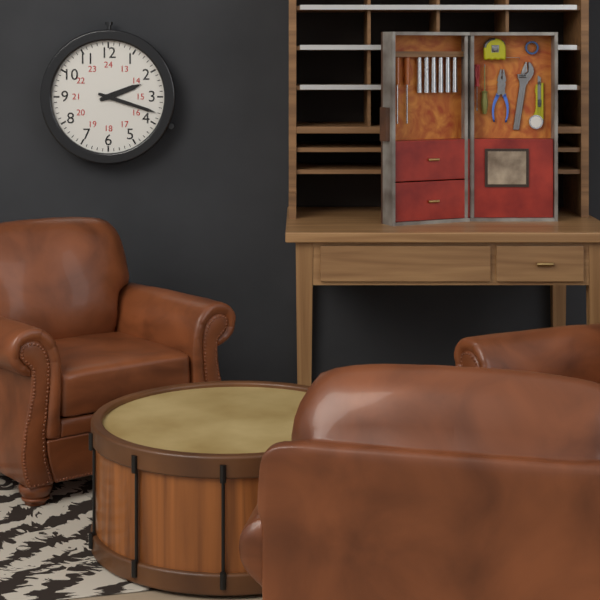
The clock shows 2 h 18 min
